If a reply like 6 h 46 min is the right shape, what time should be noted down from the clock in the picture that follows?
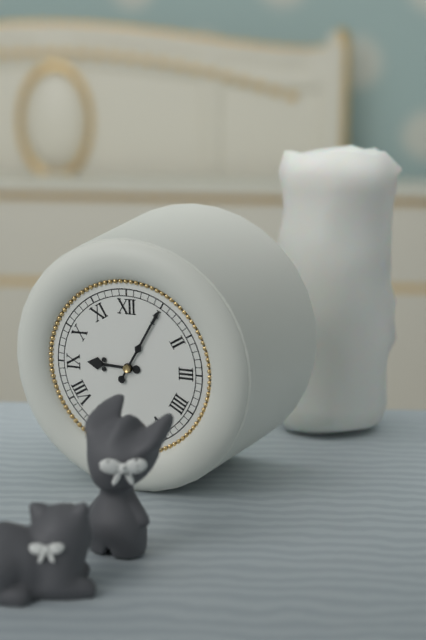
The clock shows 9 h 05 min
